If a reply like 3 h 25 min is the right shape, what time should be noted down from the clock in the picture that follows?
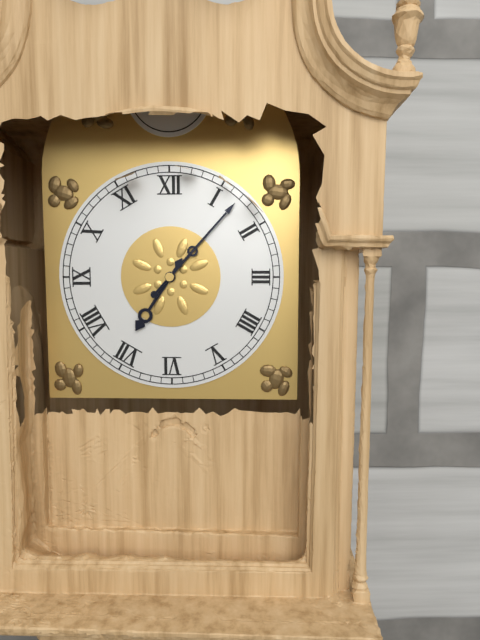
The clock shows 7 h 07 min
